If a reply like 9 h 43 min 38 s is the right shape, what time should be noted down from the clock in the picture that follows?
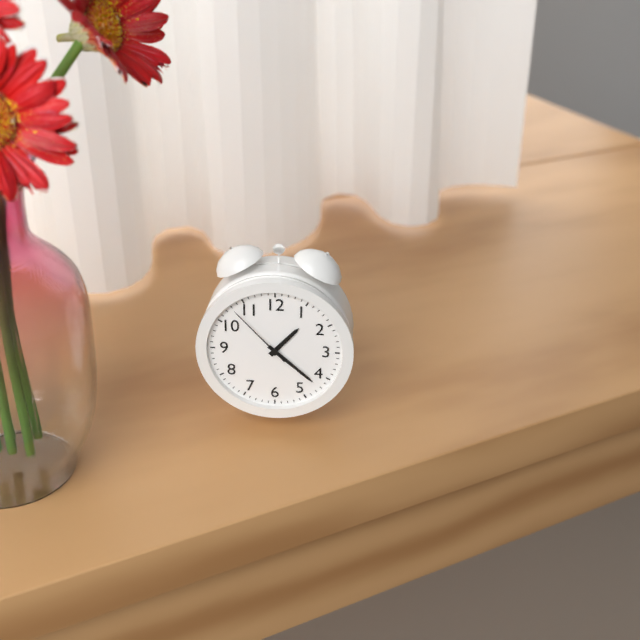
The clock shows 1 h 22 min 53 s
